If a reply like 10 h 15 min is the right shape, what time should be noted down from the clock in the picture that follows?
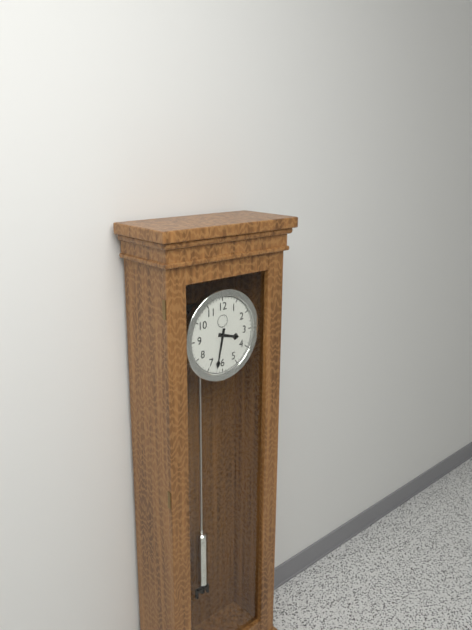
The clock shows 3 h 32 min
